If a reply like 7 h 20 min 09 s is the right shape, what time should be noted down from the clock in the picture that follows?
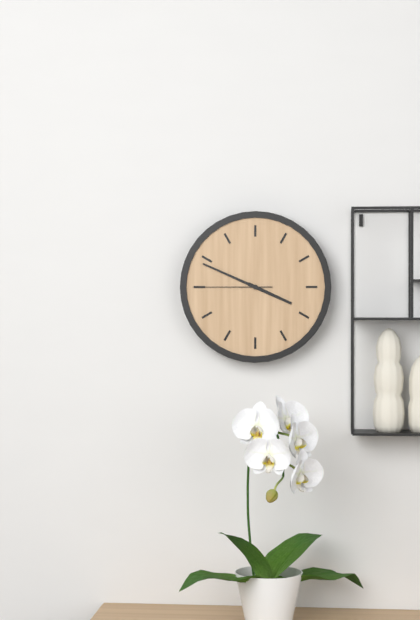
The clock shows 3 h 49 min 45 s
